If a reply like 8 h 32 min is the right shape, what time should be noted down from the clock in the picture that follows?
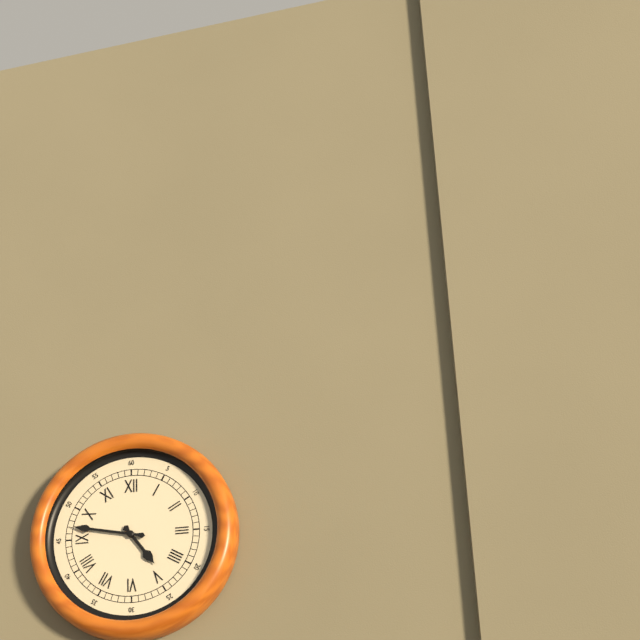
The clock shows 4 h 47 min
